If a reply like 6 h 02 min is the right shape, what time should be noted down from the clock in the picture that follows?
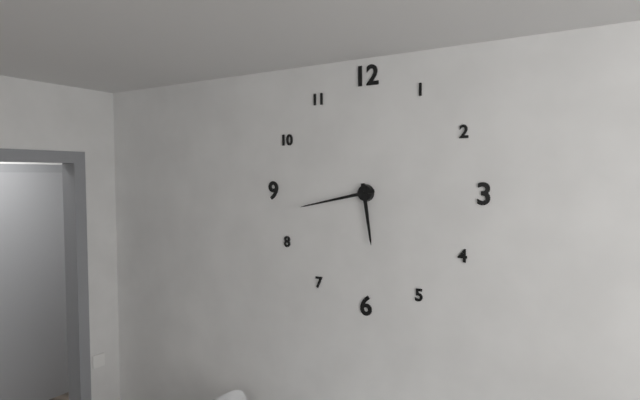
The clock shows 5 h 43 min
